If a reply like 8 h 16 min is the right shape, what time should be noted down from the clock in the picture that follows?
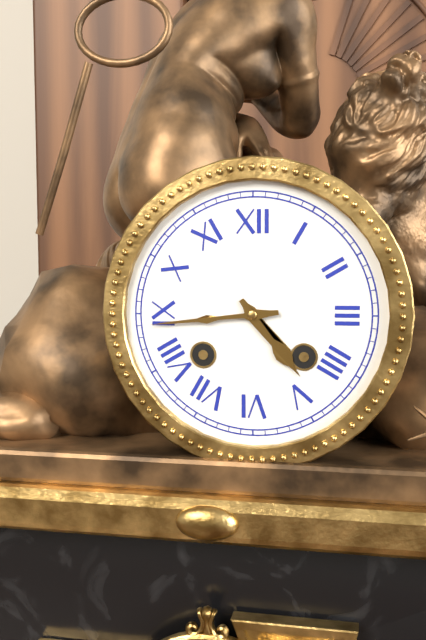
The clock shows 4 h 44 min
